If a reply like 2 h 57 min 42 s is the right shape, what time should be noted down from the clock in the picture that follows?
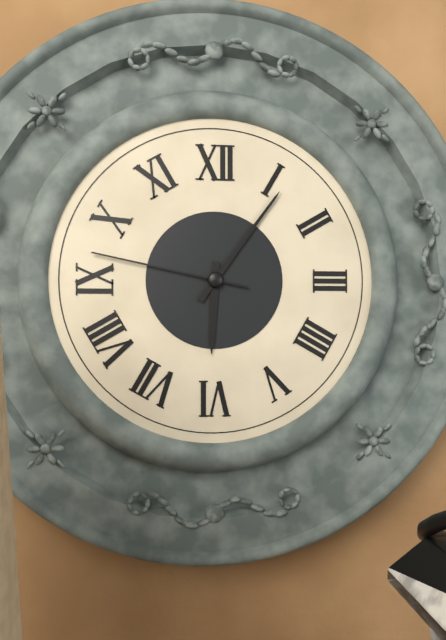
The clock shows 6 h 06 min 47 s
